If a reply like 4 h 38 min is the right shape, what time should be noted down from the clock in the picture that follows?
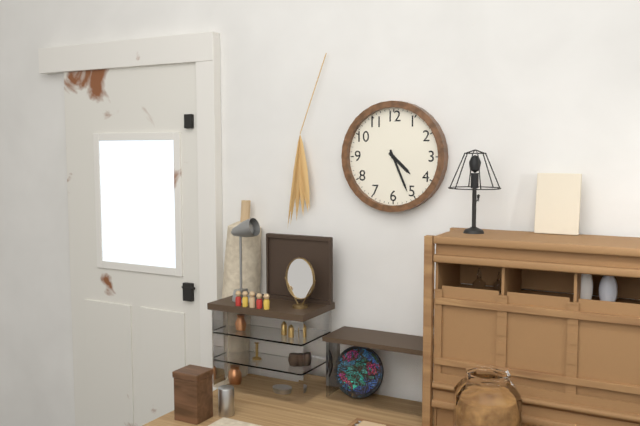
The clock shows 4 h 26 min
